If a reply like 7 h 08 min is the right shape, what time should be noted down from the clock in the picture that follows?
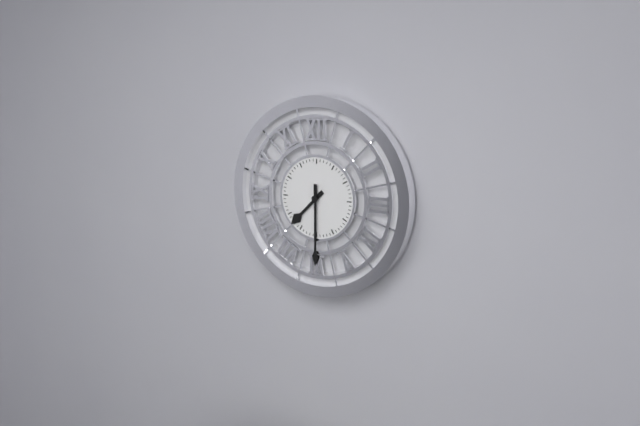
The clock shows 7 h 30 min
